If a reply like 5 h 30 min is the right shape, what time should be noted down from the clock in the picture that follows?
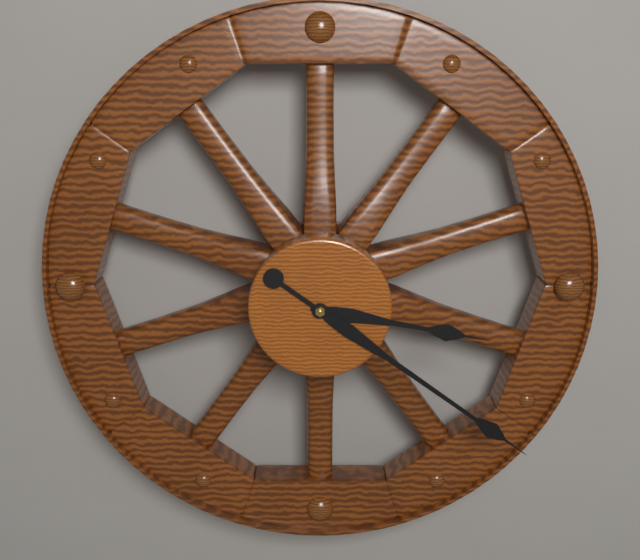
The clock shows 3 h 21 min
